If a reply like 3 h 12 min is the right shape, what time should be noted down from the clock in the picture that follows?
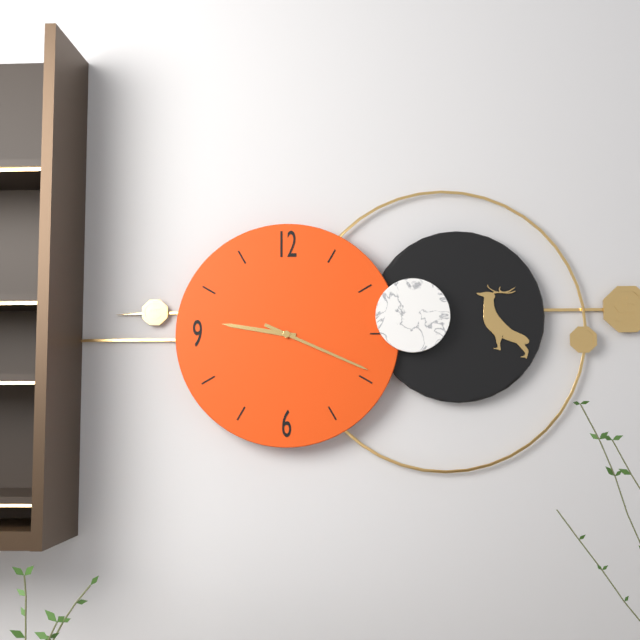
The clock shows 9 h 19 min
